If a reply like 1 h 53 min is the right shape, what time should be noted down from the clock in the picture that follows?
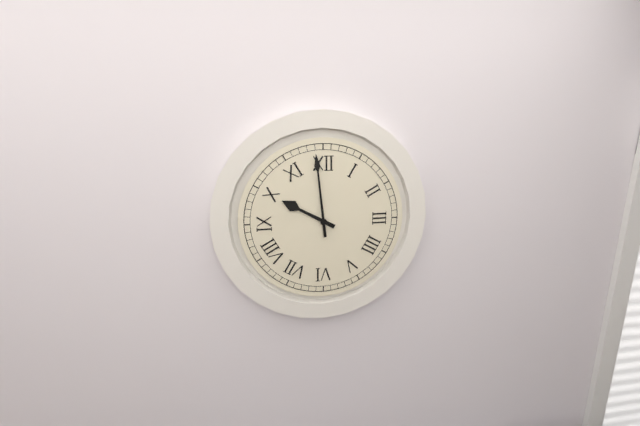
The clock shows 9 h 59 min
